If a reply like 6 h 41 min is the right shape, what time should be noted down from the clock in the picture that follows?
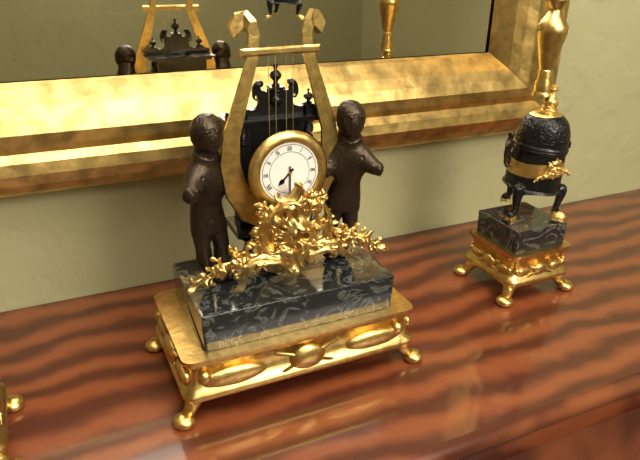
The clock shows 7 h 30 min
